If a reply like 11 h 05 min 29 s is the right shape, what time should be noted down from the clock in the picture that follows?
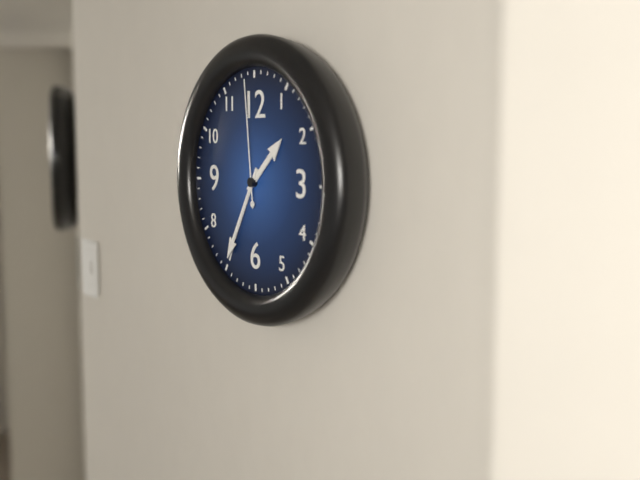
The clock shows 1 h 35 min 59 s
